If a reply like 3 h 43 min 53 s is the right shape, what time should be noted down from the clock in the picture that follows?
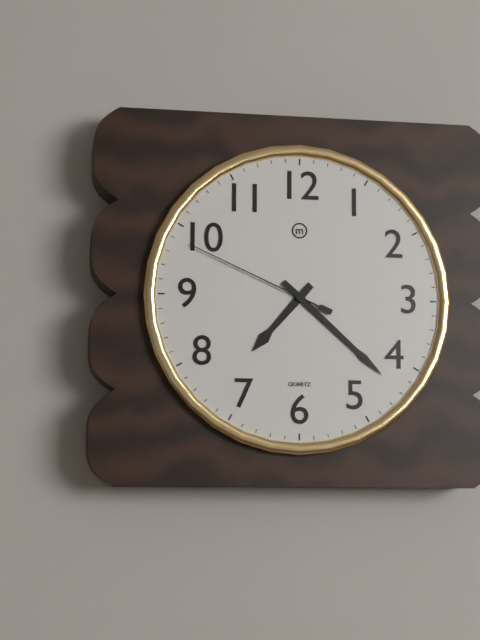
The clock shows 7 h 22 min 49 s
